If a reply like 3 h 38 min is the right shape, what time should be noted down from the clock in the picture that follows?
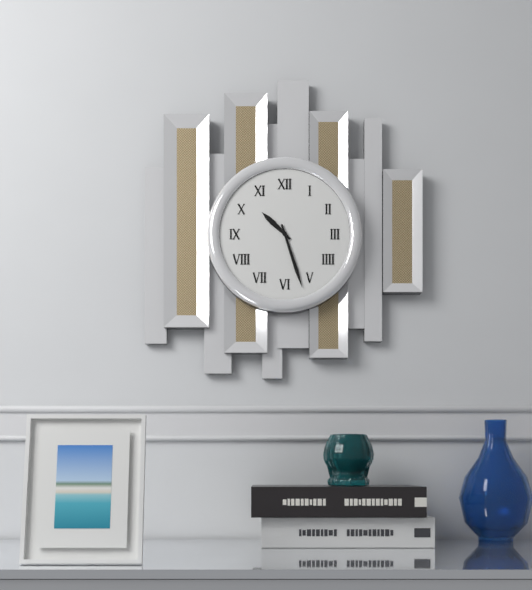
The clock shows 10 h 27 min
